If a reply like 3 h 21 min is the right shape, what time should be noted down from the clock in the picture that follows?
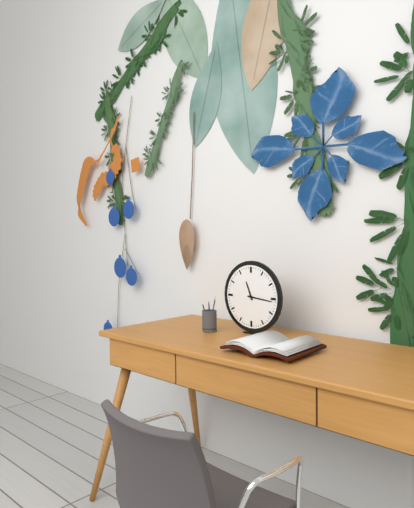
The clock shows 11 h 16 min
